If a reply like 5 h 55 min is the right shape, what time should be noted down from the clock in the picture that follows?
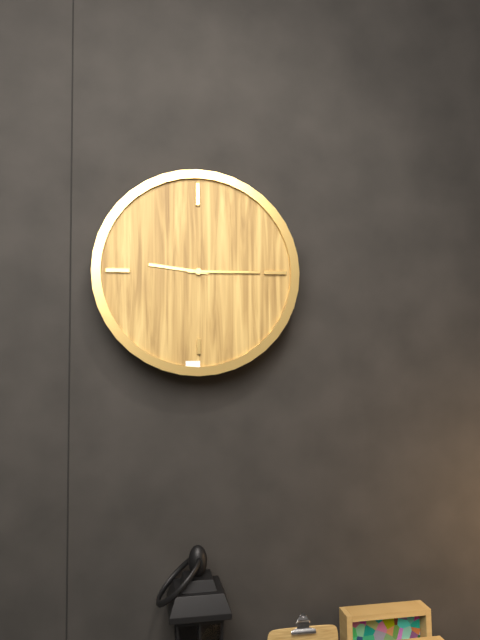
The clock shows 9 h 15 min
